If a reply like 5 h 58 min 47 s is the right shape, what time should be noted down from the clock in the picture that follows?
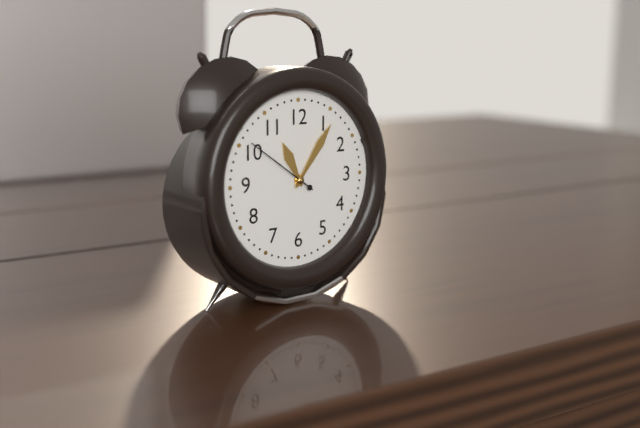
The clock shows 11 h 06 min 51 s
